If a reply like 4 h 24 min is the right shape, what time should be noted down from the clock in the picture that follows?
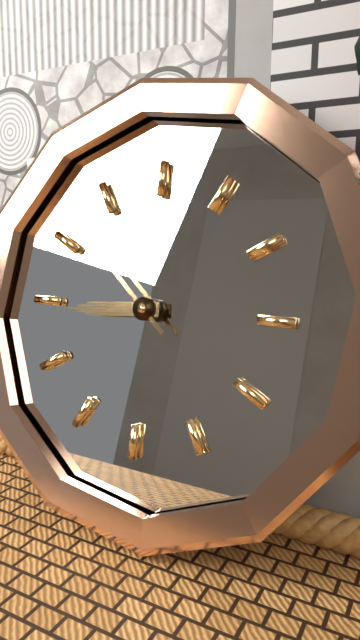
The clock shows 8 h 52 min
